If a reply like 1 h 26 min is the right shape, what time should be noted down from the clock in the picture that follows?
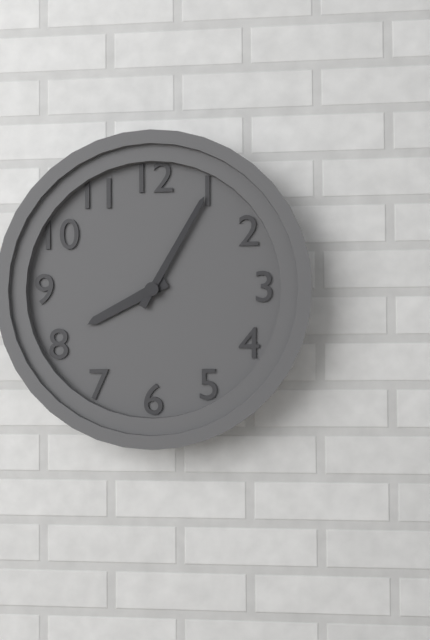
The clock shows 8 h 05 min
